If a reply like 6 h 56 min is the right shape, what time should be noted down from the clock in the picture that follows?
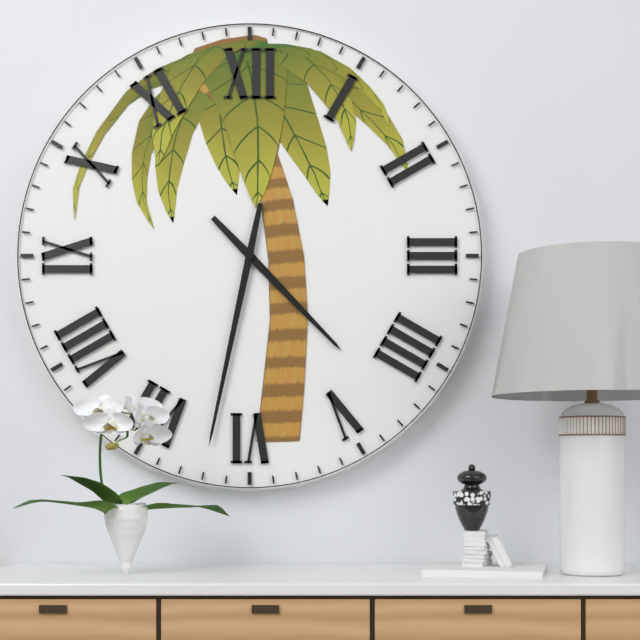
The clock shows 4 h 32 min
